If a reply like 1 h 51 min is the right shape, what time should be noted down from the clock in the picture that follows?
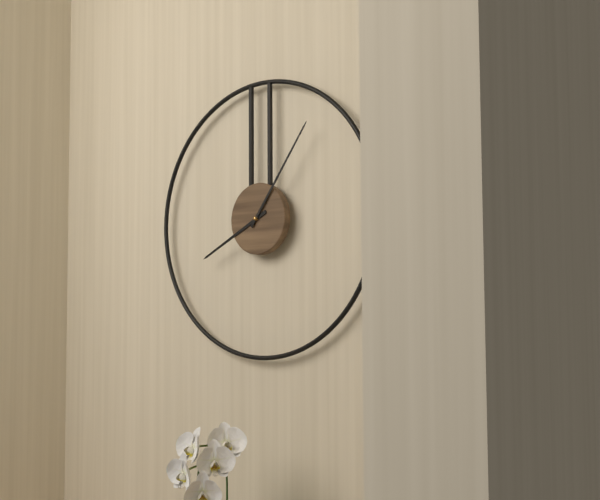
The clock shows 8 h 06 min
